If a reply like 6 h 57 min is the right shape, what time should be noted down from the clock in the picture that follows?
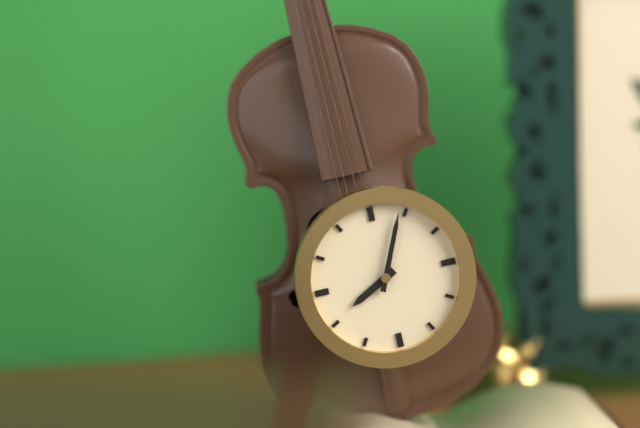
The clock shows 8 h 04 min
